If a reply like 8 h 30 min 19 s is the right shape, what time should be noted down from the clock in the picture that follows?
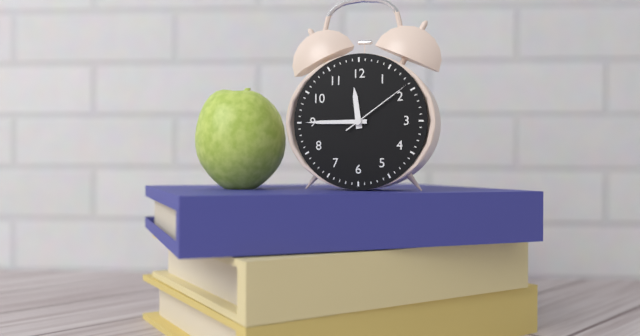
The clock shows 11 h 45 min 09 s
